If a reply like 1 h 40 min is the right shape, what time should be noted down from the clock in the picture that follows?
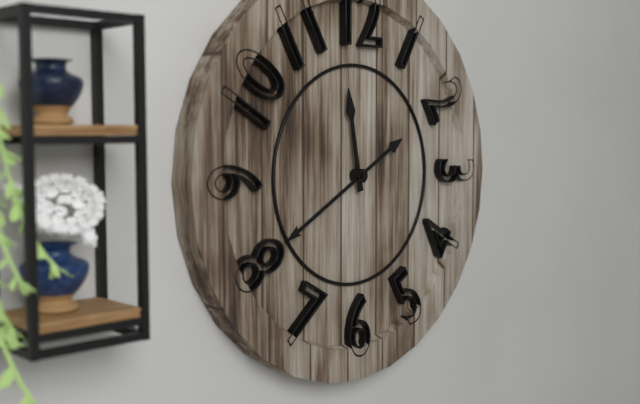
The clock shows 11 h 40 min
